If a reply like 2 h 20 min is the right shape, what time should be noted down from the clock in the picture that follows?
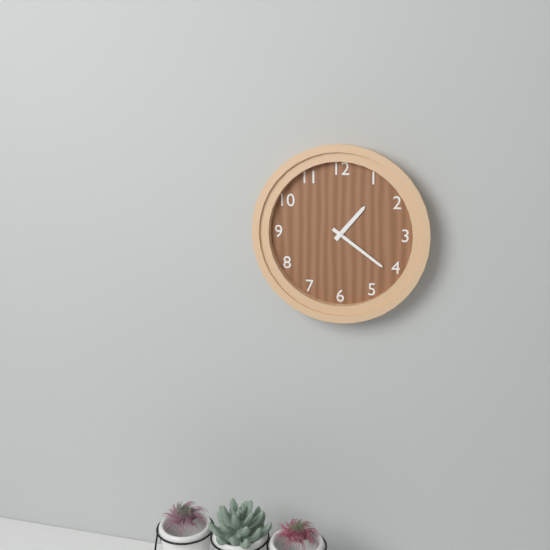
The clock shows 1 h 21 min
